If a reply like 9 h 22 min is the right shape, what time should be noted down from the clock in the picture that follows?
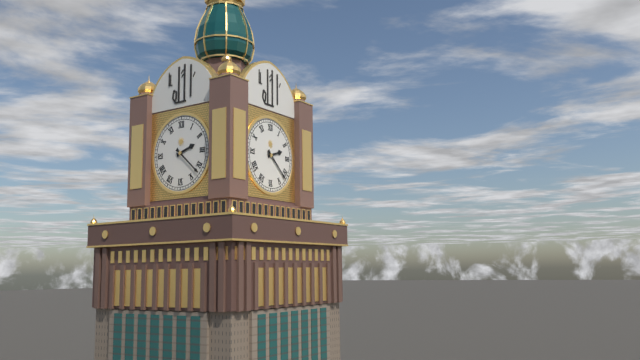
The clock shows 2 h 22 min
